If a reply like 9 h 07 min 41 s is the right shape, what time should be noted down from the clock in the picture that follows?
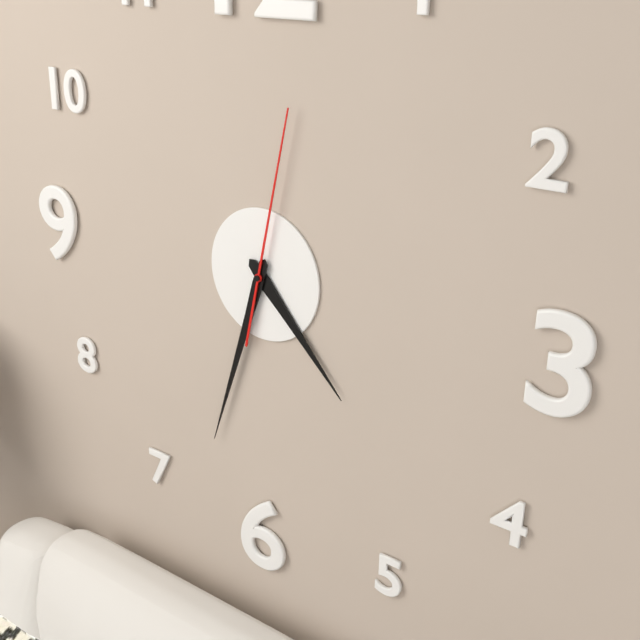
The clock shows 4 h 33 min 02 s
